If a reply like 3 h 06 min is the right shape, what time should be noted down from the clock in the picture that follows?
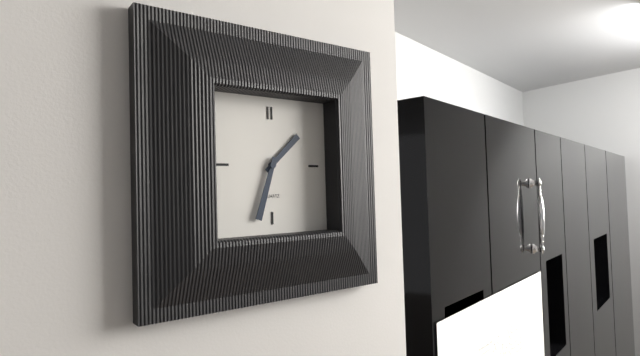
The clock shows 1 h 33 min
